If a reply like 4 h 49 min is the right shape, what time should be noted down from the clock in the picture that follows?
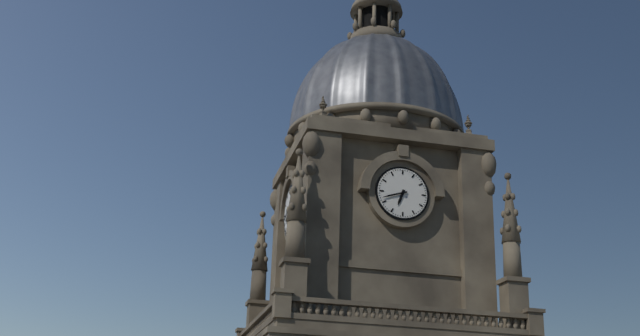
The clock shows 6 h 42 min
